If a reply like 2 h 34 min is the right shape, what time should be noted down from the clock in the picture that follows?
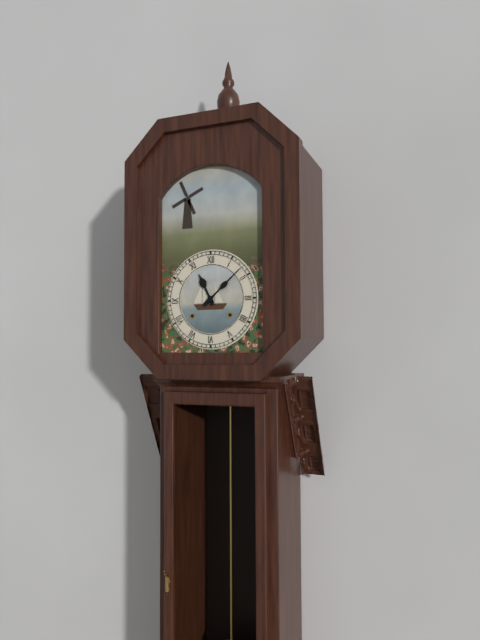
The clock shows 11 h 08 min
